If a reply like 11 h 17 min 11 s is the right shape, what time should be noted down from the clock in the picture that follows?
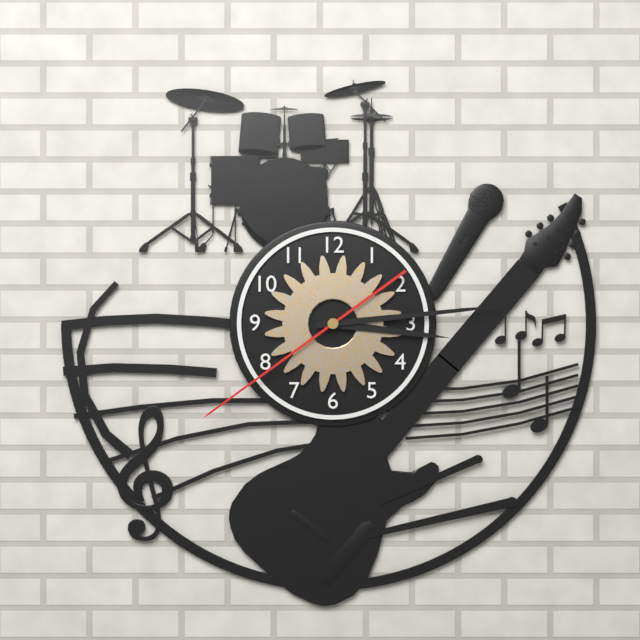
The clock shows 3 h 14 min 39 s
